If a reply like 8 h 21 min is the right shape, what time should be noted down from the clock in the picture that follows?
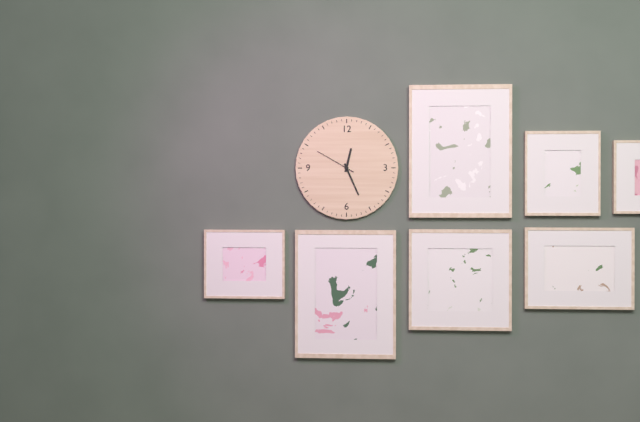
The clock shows 12 h 26 min
